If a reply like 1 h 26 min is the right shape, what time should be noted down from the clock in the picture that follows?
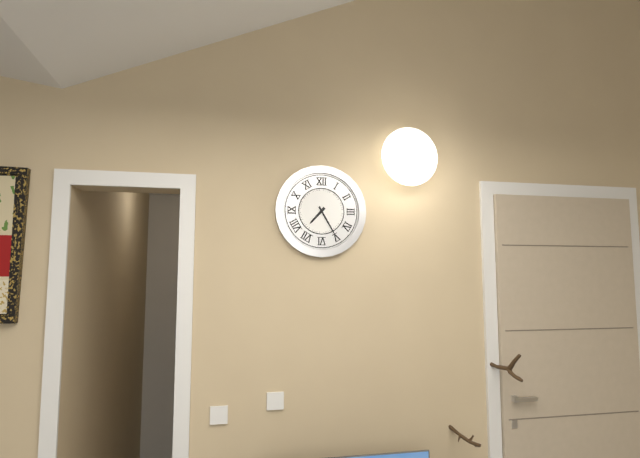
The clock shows 7 h 25 min
